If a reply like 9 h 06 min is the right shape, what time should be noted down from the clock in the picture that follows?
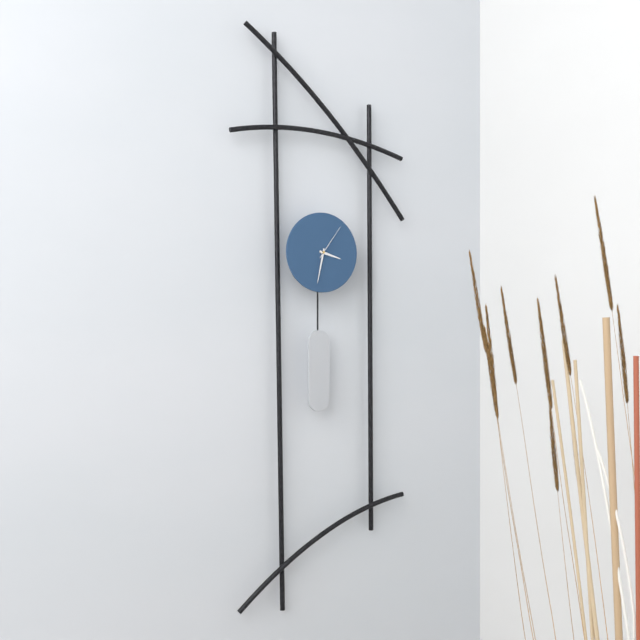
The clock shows 3 h 32 min
